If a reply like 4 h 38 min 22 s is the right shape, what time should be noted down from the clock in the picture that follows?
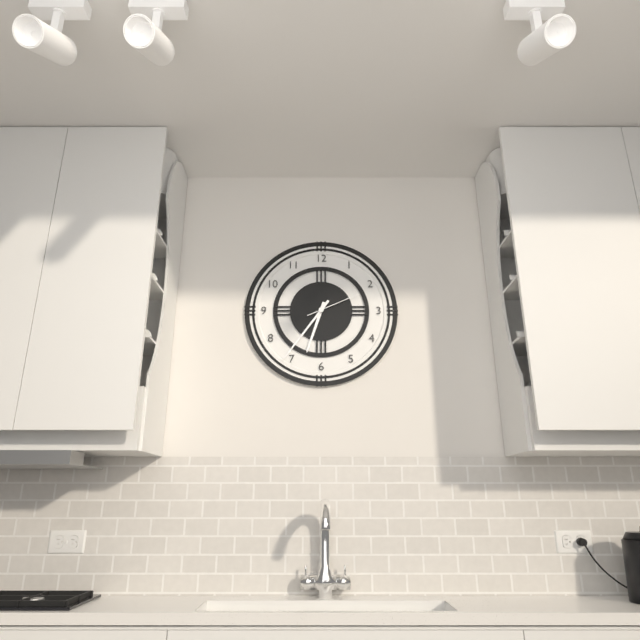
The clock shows 6 h 36 min 11 s
